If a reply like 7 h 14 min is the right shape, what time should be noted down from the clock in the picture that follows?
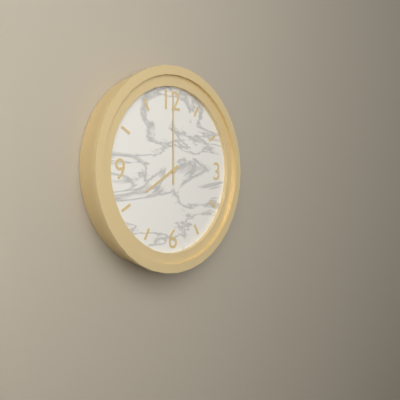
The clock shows 8 h 00 min
